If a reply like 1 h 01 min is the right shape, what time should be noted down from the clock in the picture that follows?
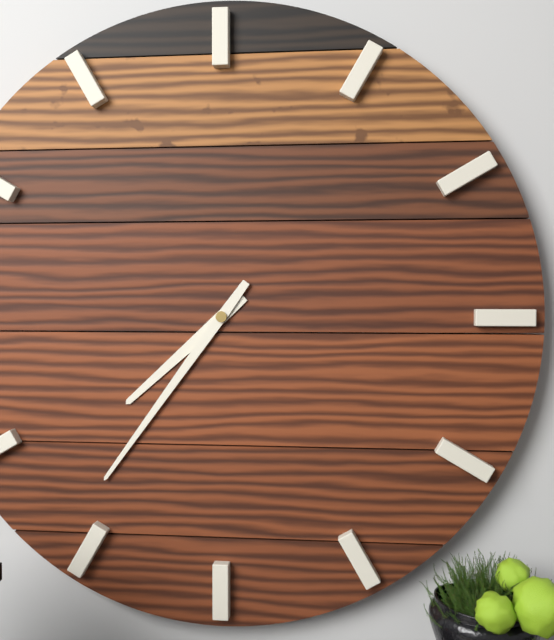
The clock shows 7 h 36 min
